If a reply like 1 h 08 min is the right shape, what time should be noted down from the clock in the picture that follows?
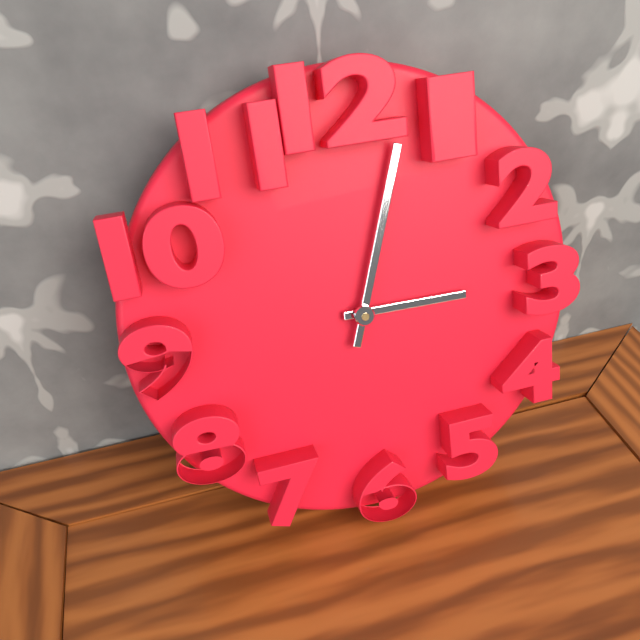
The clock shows 3 h 03 min
